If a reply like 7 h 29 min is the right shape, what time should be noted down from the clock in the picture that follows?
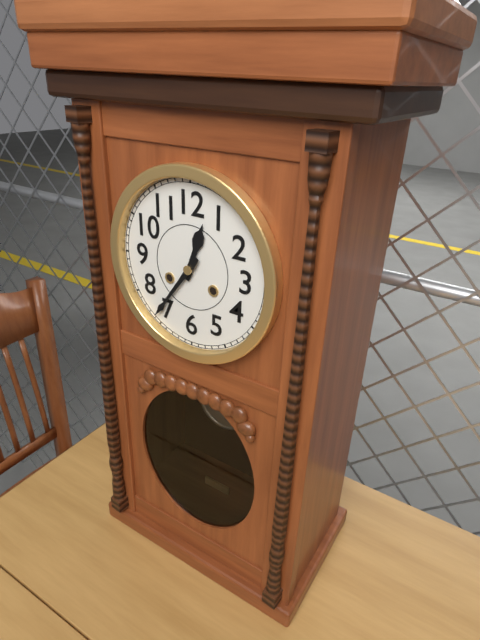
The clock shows 12 h 36 min
